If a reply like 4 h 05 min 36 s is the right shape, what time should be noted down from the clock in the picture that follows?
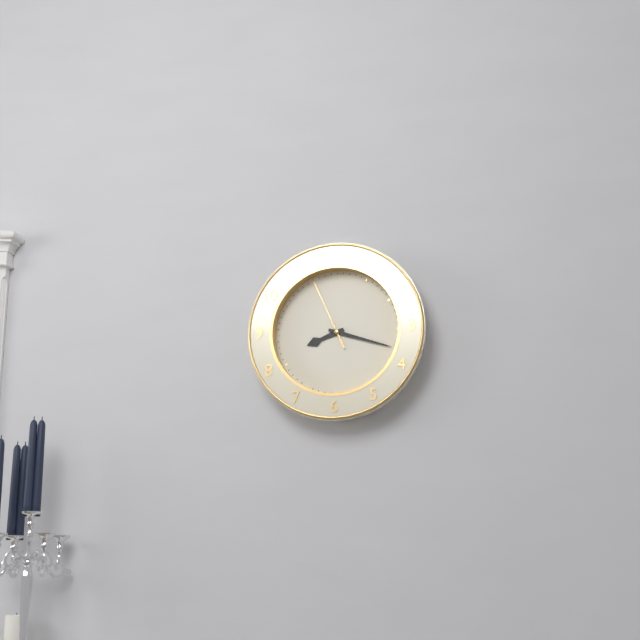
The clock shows 8 h 18 min 56 s
